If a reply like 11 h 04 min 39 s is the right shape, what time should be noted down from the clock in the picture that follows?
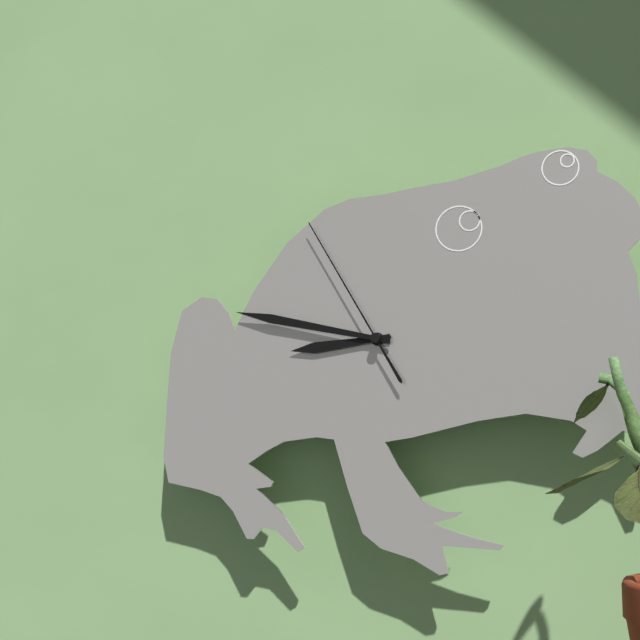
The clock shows 8 h 47 min 55 s
